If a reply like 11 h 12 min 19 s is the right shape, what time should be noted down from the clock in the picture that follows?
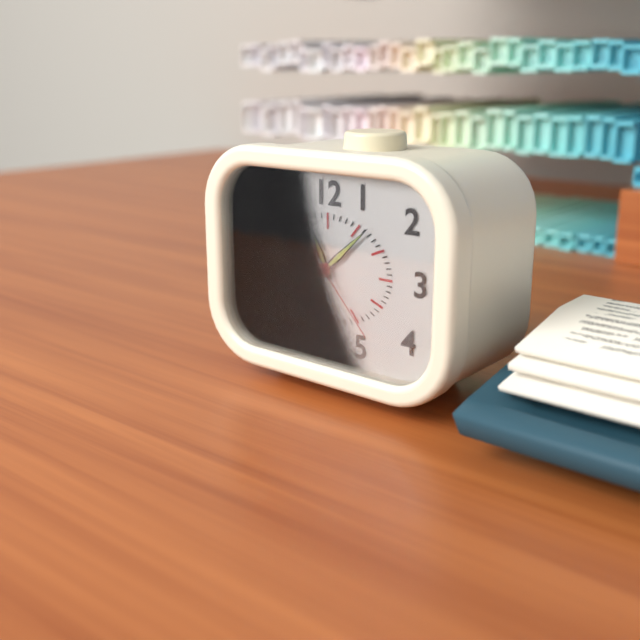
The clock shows 11 h 08 min 23 s
